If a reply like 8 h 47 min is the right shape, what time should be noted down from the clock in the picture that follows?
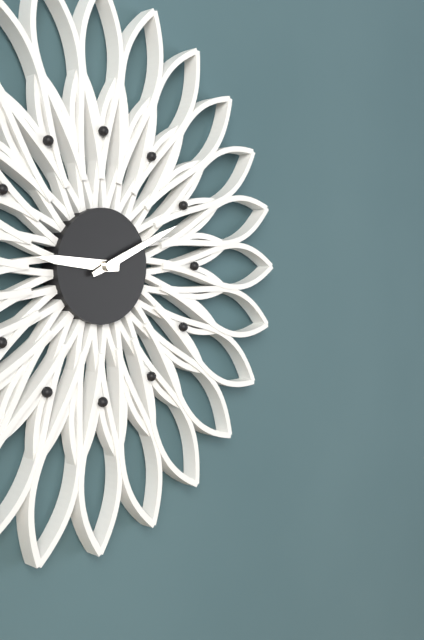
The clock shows 9 h 11 min
